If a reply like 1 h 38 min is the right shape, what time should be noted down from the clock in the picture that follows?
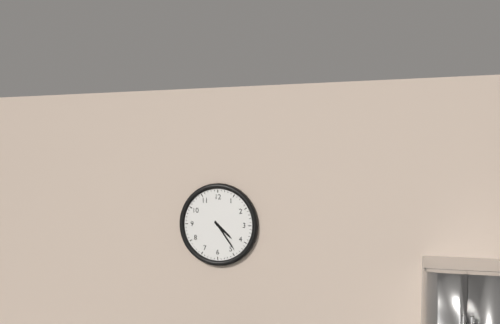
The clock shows 4 h 24 min
